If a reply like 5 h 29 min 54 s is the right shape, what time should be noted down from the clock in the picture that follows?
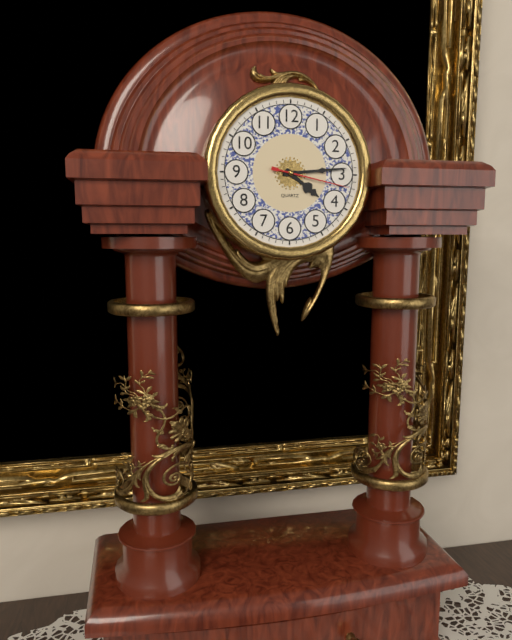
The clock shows 4 h 14 min 17 s
